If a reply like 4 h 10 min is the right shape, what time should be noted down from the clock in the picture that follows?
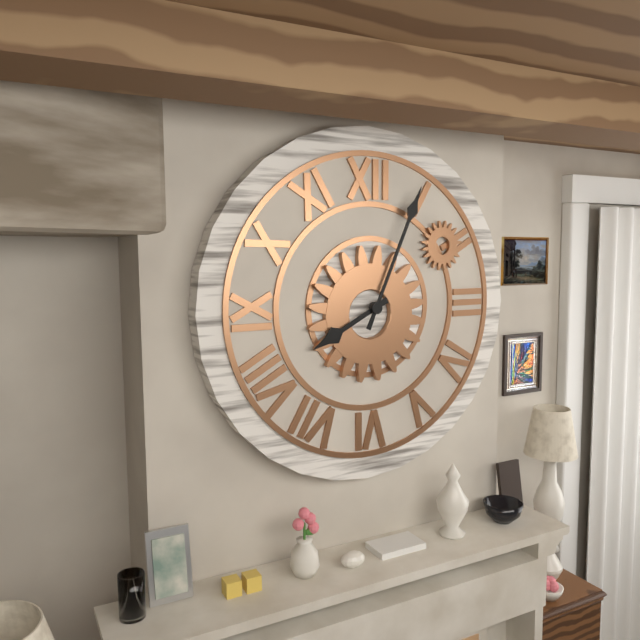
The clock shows 8 h 04 min
